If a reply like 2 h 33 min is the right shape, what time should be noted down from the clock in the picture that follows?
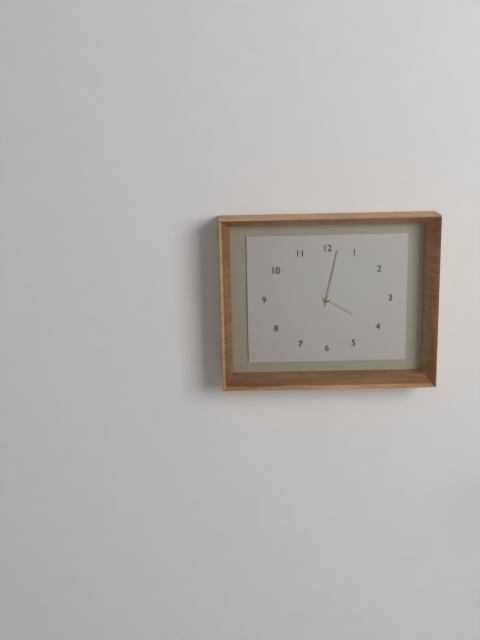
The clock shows 4 h 02 min
